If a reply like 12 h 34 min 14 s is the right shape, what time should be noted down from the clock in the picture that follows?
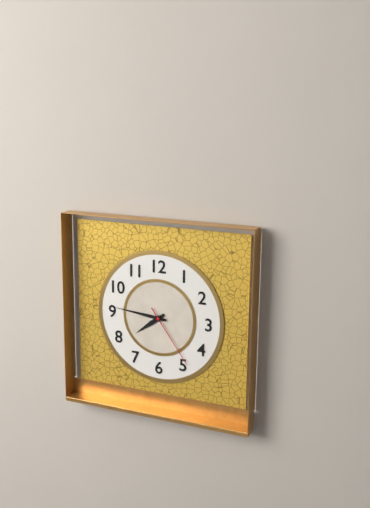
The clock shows 7 h 46 min 24 s
